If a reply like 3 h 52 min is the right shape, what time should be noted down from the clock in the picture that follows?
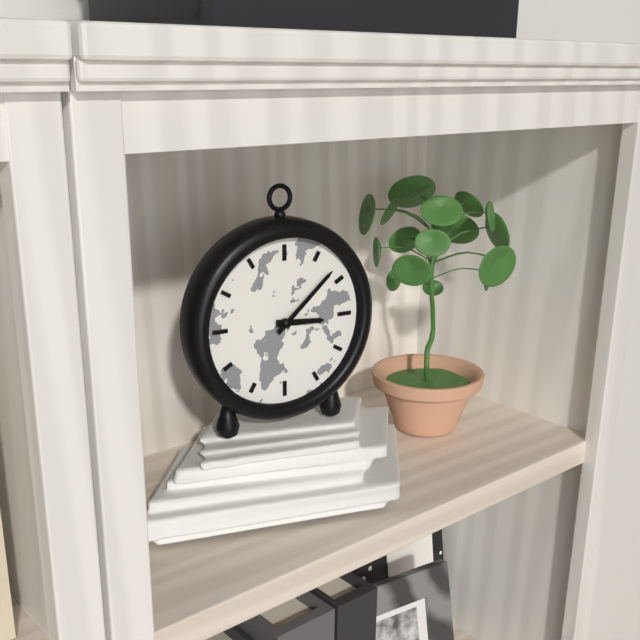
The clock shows 3 h 08 min
